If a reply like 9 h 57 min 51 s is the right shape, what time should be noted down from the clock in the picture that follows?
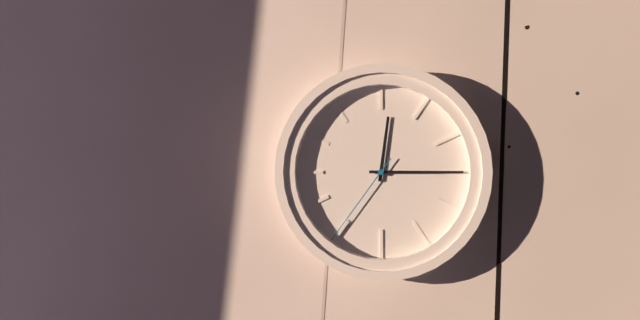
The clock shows 12 h 15 min 36 s
